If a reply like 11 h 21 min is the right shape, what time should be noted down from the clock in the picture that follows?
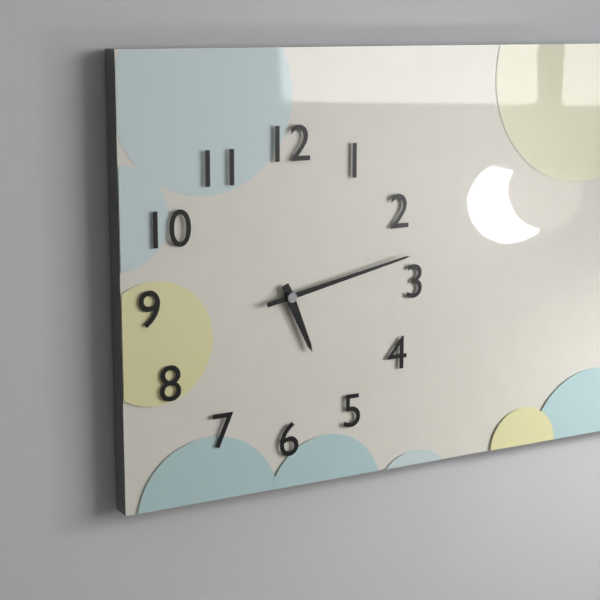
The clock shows 5 h 13 min
